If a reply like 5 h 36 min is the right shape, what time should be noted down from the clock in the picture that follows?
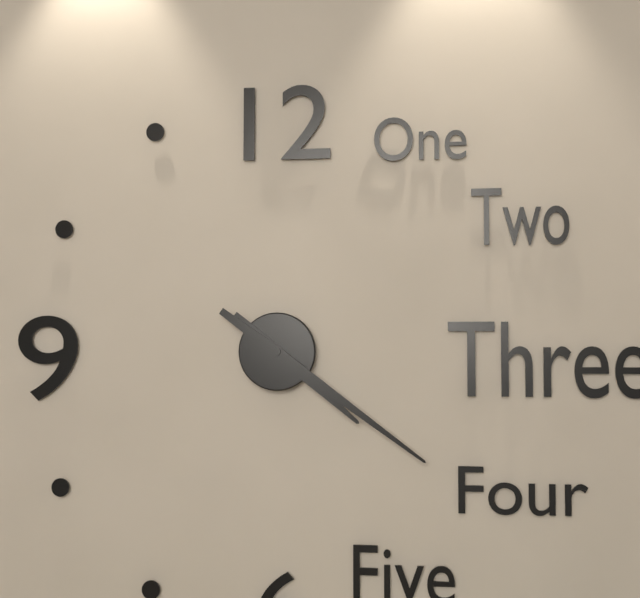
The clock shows 4 h 21 min
